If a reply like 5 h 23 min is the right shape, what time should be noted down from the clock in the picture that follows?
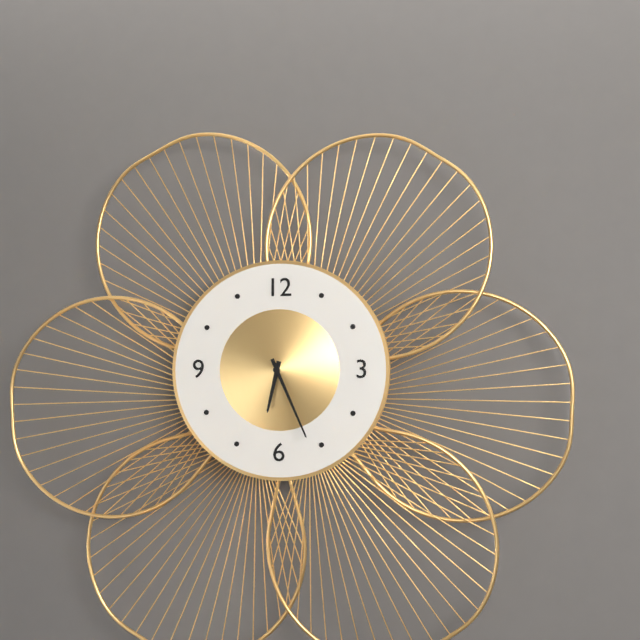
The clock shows 6 h 26 min
